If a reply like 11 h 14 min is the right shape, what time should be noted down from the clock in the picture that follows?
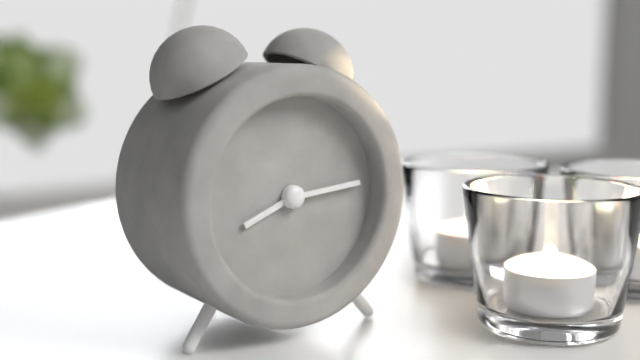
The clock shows 8 h 14 min
